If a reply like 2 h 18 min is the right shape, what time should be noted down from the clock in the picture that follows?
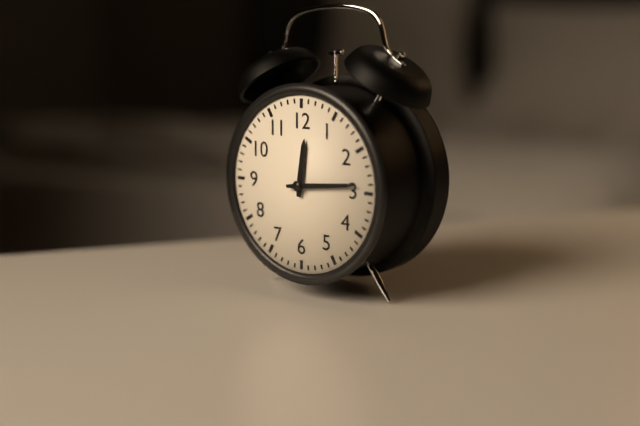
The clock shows 12 h 14 min
